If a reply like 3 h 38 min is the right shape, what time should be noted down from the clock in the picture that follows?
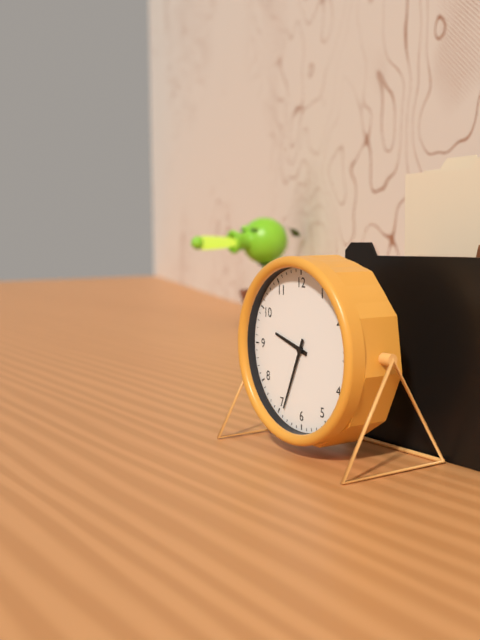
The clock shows 9 h 34 min
